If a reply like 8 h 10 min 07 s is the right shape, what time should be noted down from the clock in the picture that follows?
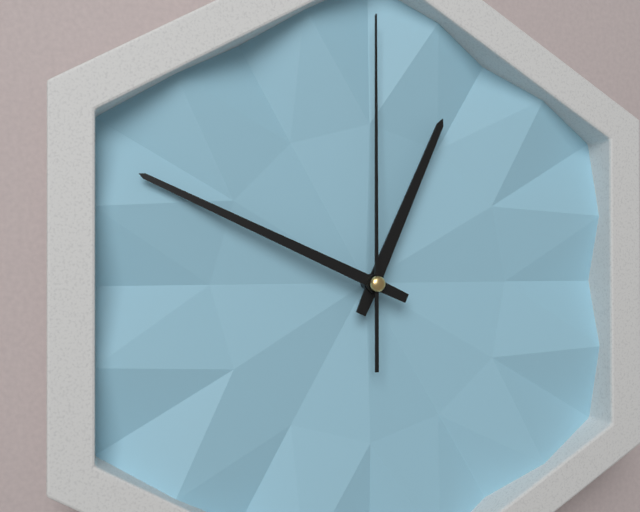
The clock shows 12 h 49 min 00 s
